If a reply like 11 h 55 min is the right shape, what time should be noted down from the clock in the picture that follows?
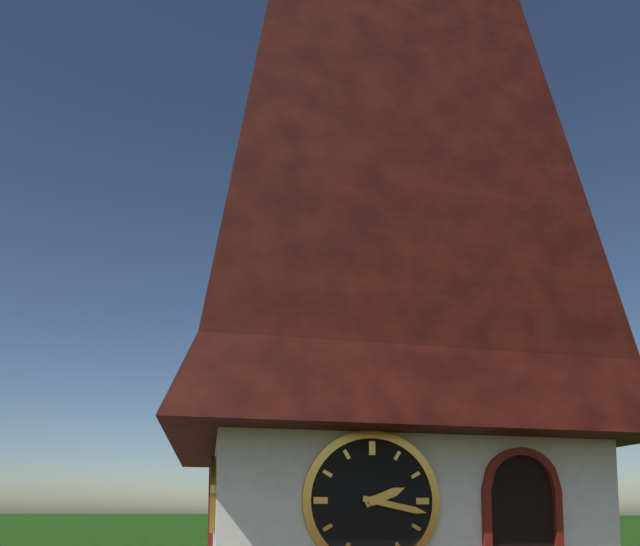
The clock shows 2 h 17 min
